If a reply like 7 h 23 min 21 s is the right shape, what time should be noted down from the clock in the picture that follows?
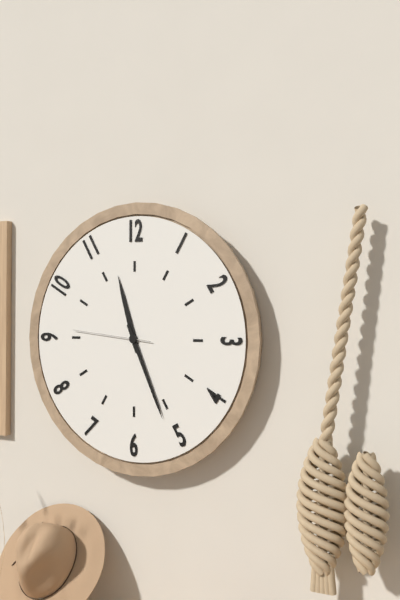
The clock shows 11 h 26 min 46 s
